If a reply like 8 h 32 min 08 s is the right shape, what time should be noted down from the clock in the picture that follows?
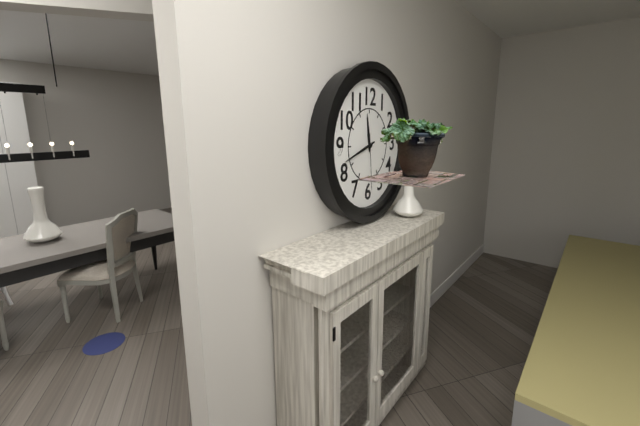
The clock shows 11 h 42 min 29 s
